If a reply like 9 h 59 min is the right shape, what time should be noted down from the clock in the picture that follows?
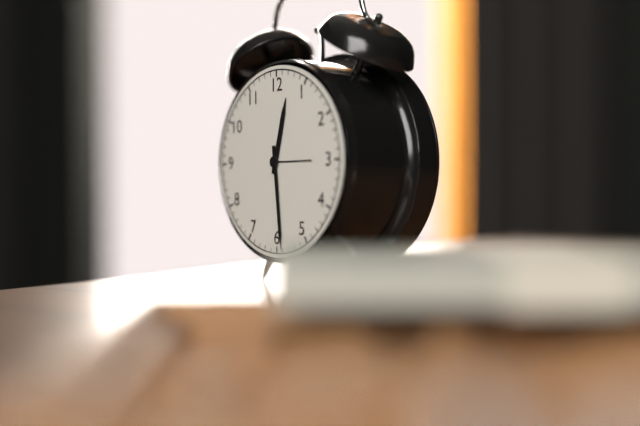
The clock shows 12 h 29 min
